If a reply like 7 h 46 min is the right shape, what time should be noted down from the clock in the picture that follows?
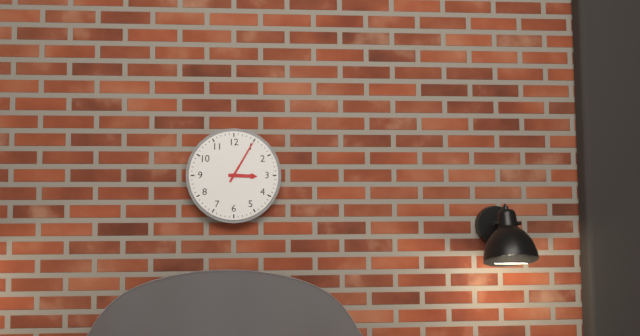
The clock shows 3 h 05 min
